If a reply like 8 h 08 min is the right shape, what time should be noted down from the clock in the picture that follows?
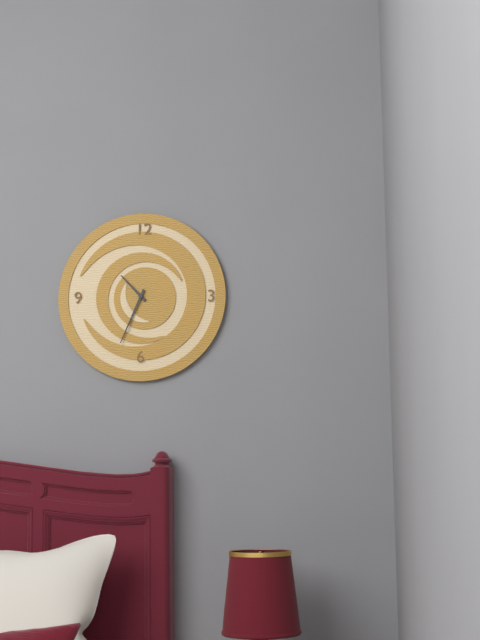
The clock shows 10 h 34 min
